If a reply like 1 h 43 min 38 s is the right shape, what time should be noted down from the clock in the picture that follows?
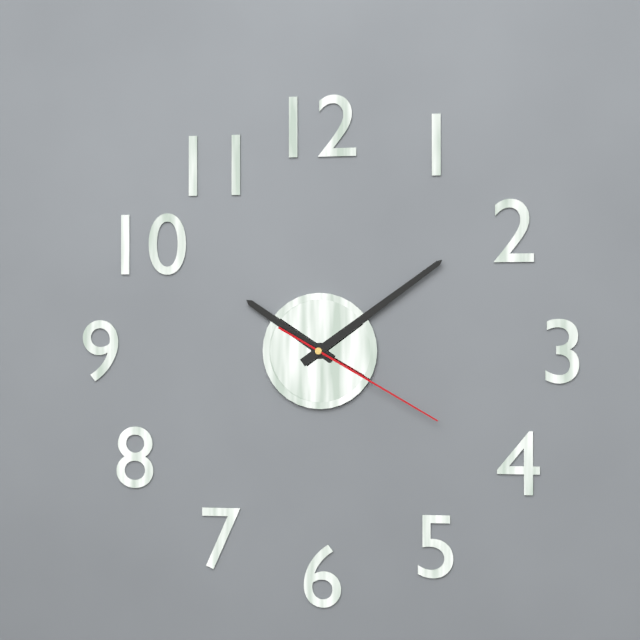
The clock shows 10 h 09 min 20 s
